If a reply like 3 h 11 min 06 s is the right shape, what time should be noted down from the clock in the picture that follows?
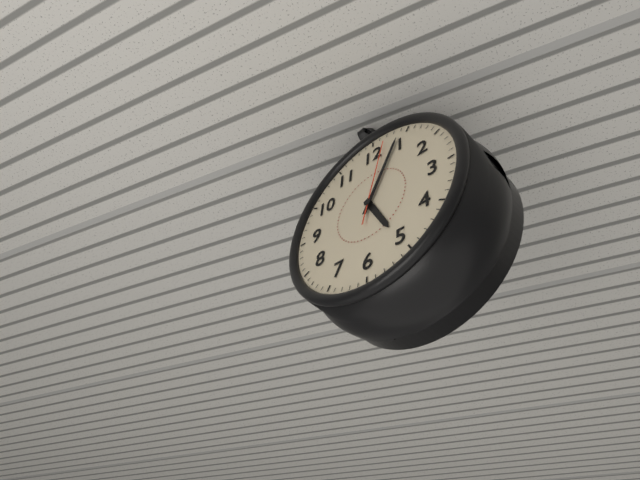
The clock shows 5 h 04 min 02 s
